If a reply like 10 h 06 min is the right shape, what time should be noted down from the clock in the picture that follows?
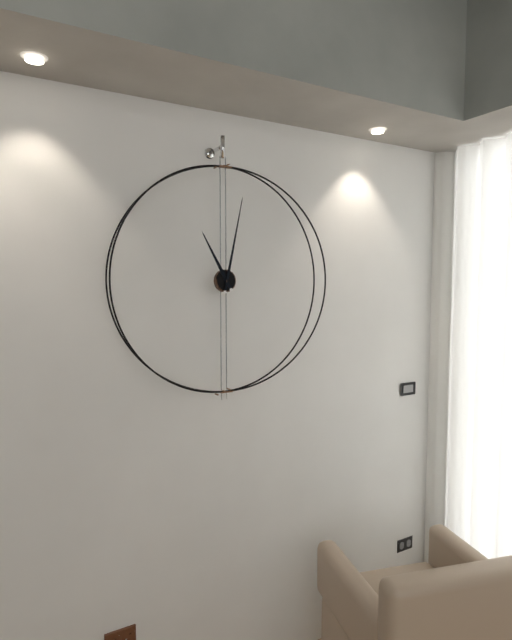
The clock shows 11 h 02 min
